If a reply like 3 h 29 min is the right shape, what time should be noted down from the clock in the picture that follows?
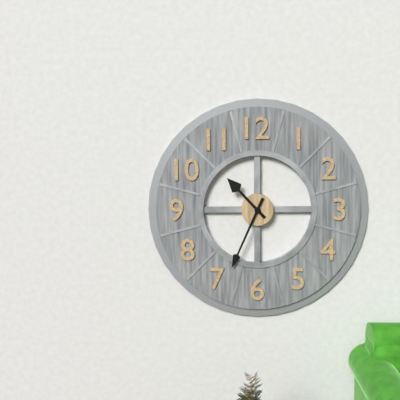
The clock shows 10 h 34 min
